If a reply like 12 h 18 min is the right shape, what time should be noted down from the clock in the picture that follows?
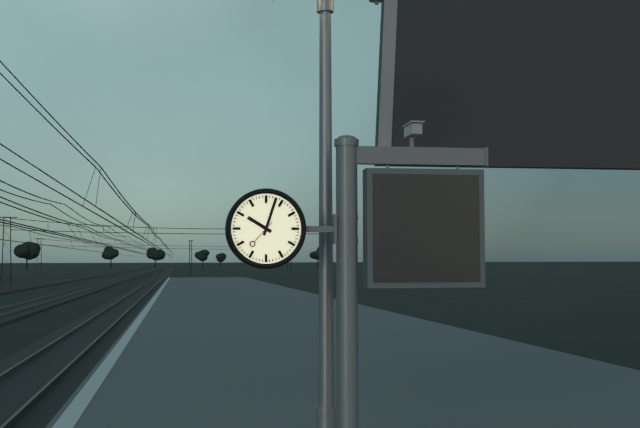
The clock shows 10 h 03 min
